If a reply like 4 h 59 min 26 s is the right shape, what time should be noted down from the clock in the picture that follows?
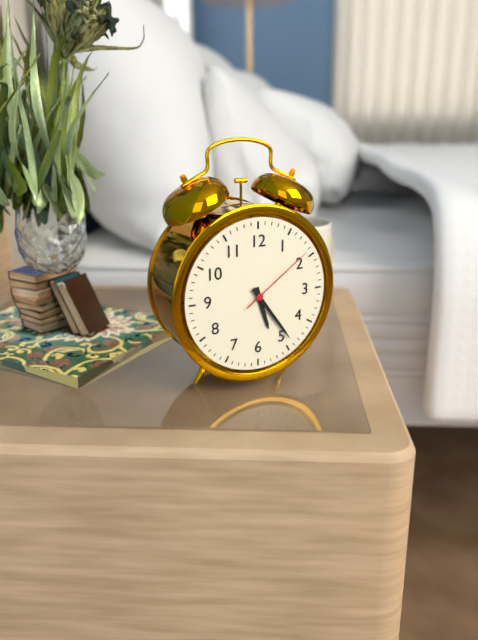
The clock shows 5 h 24 min 09 s
